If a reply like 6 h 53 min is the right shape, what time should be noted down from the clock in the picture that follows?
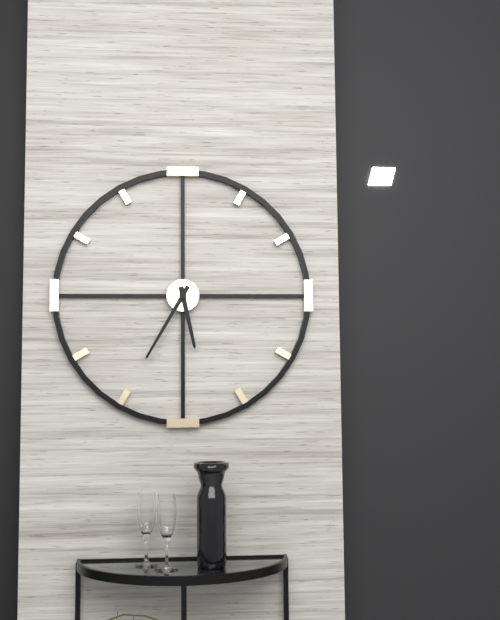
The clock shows 5 h 35 min
